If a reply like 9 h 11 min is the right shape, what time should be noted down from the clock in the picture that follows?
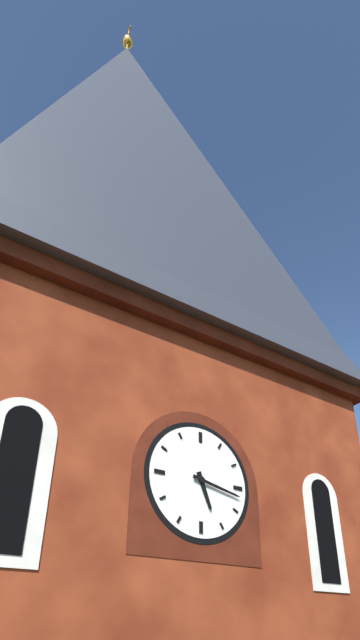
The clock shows 5 h 17 min
